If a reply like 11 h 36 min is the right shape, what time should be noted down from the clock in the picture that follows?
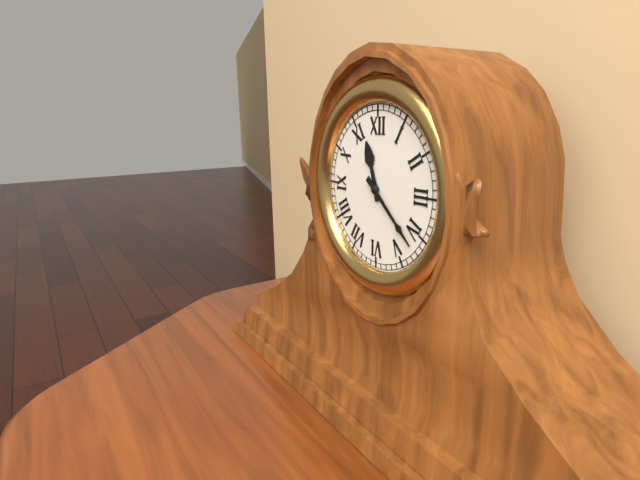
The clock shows 11 h 22 min
